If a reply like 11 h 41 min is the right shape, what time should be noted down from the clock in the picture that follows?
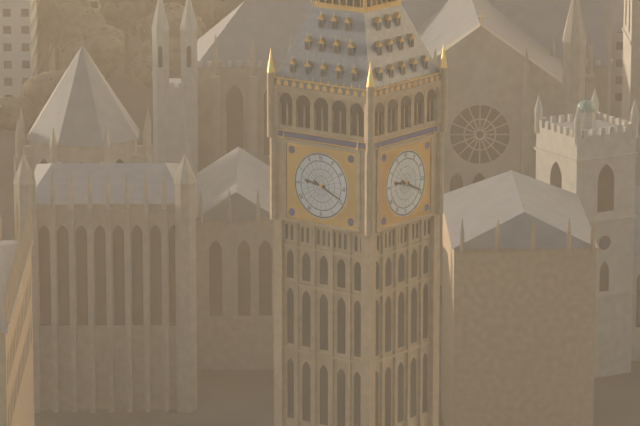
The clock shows 9 h 19 min
